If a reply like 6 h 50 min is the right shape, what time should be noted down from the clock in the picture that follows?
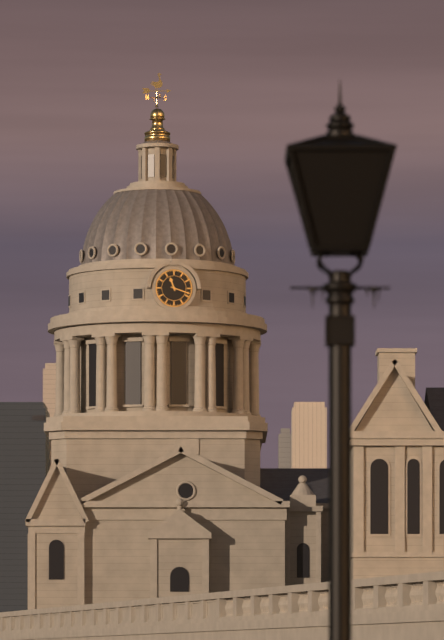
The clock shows 11 h 18 min
